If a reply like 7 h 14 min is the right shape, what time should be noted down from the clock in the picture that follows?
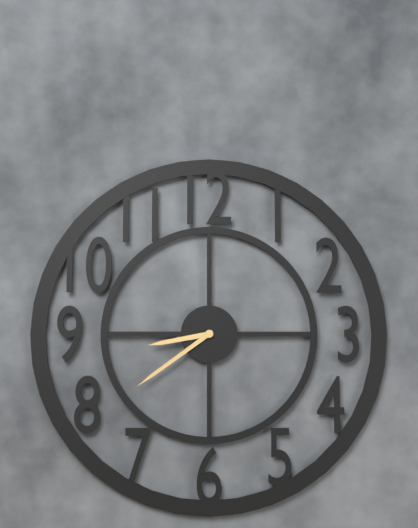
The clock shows 8 h 39 min
